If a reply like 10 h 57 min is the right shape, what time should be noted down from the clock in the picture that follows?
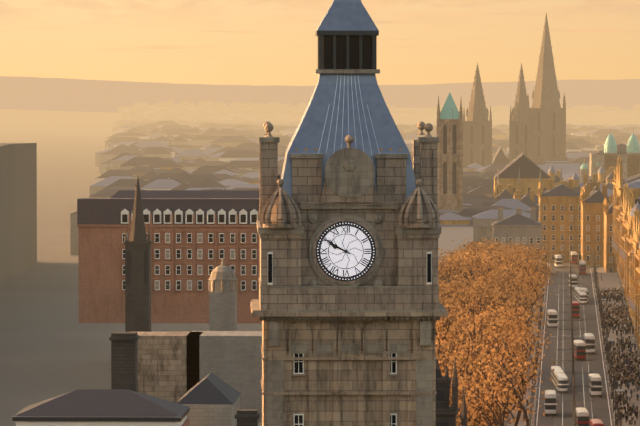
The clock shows 9 h 50 min
